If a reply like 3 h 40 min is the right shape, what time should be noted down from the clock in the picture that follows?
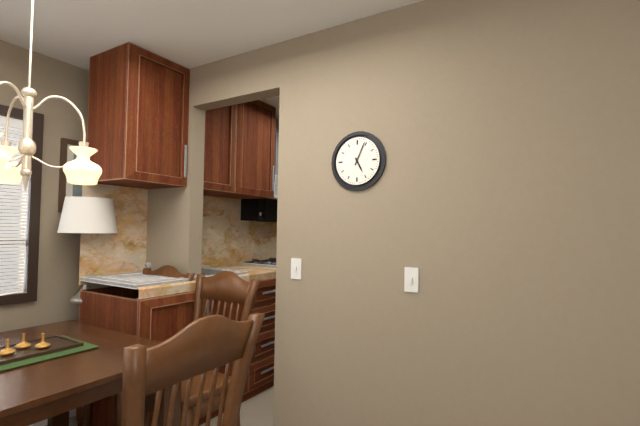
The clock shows 5 h 04 min
